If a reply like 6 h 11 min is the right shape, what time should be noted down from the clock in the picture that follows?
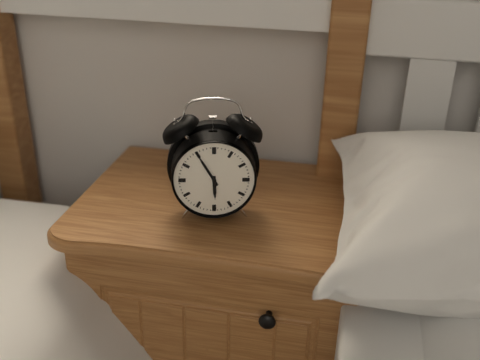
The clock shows 5 h 55 min
